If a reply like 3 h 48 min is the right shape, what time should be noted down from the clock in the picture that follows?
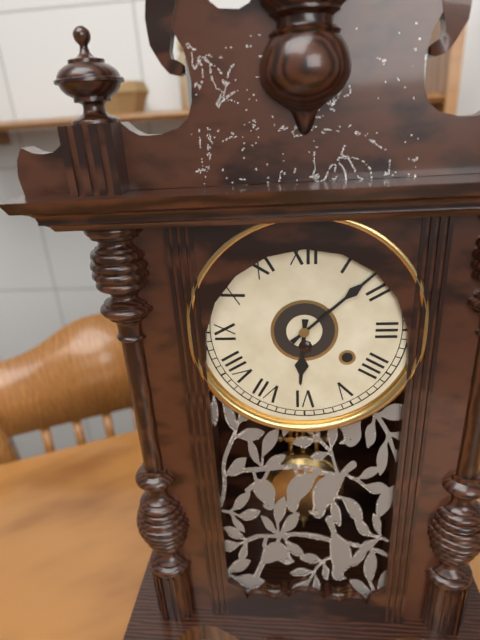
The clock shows 6 h 08 min
